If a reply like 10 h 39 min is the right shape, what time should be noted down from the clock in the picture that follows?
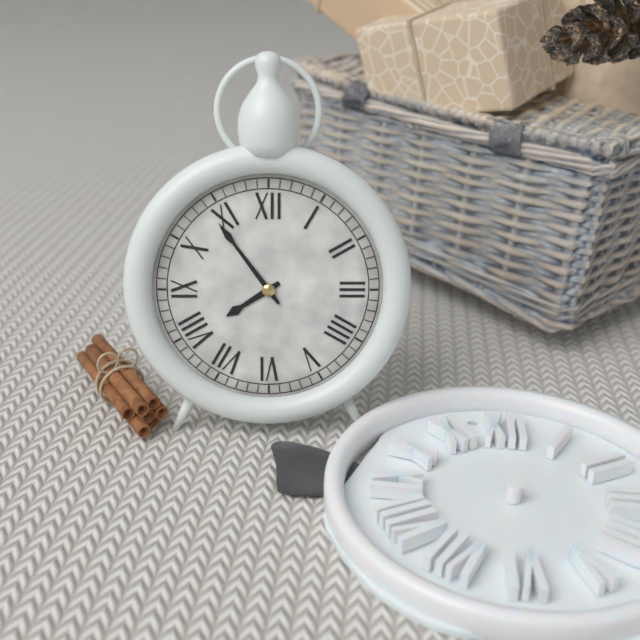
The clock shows 7 h 54 min
